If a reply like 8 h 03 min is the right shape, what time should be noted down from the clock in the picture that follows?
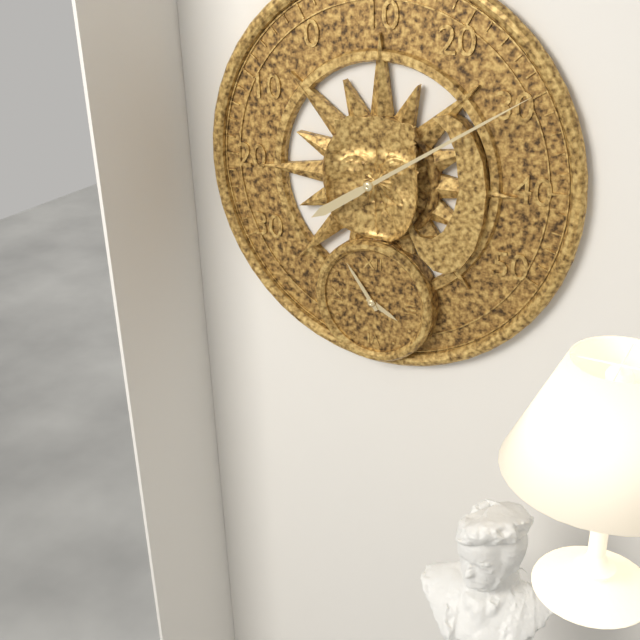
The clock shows 3 h 54 min
